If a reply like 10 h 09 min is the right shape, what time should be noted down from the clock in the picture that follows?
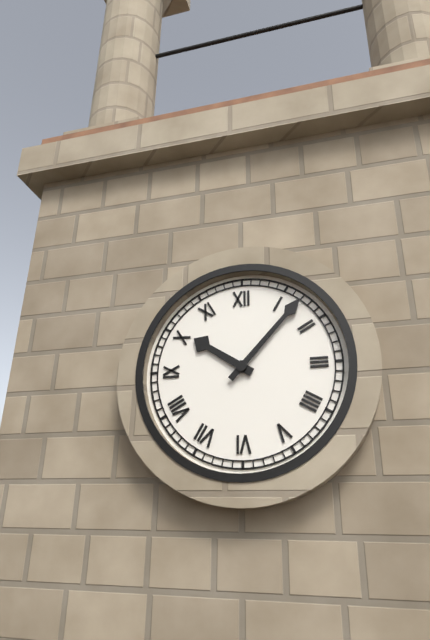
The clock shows 10 h 07 min
